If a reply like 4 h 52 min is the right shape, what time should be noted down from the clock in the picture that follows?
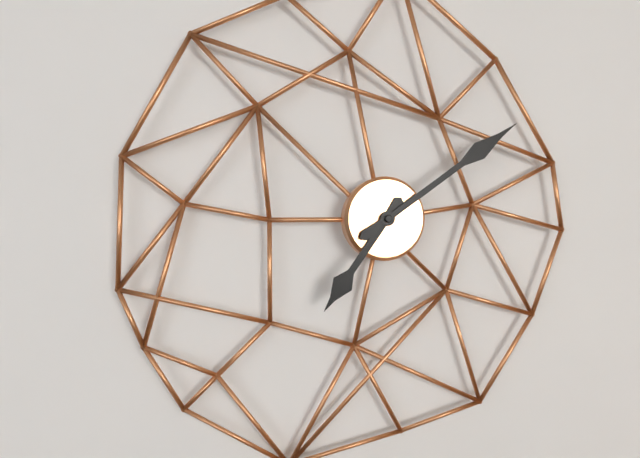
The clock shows 7 h 09 min
